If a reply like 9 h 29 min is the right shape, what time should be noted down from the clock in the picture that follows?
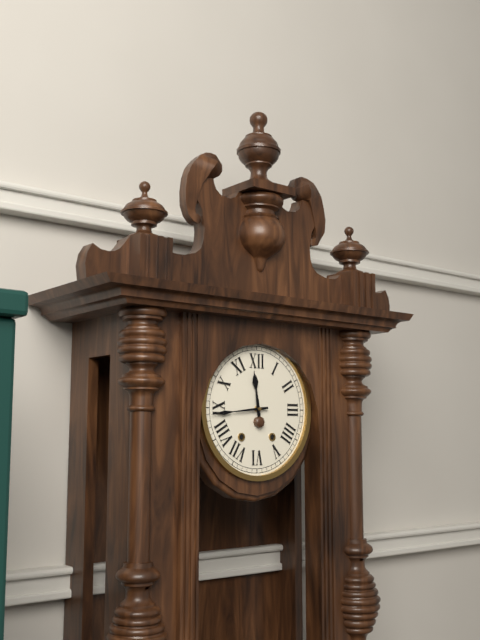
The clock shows 11 h 44 min
